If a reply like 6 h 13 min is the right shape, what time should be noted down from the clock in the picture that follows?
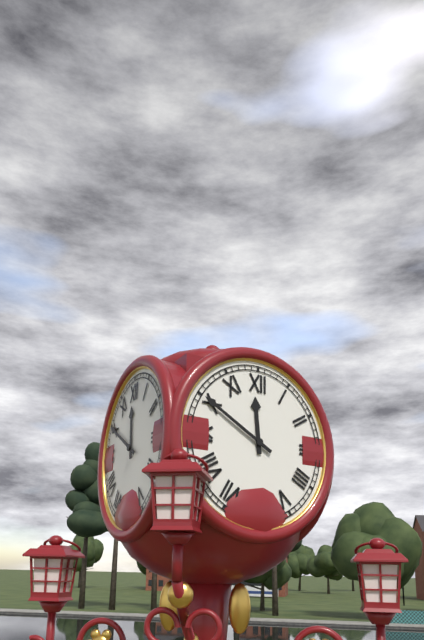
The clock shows 11 h 50 min
